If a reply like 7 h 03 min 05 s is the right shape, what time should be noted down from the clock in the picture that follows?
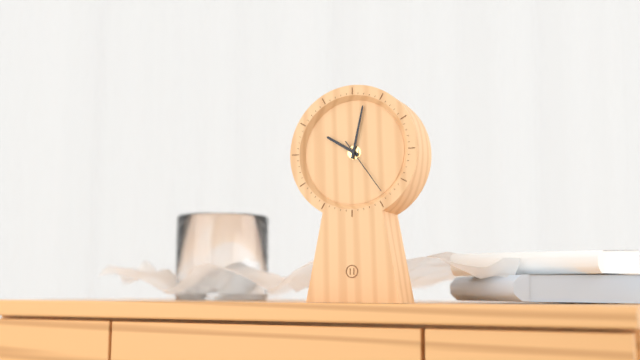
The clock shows 10 h 02 min 24 s
